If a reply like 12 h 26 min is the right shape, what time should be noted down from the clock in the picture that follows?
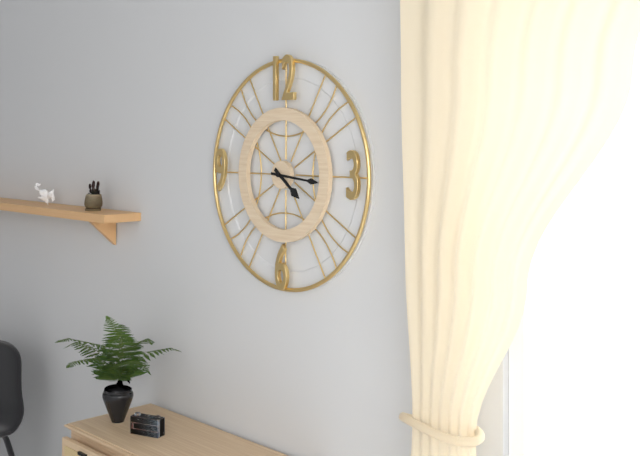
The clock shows 4 h 16 min
